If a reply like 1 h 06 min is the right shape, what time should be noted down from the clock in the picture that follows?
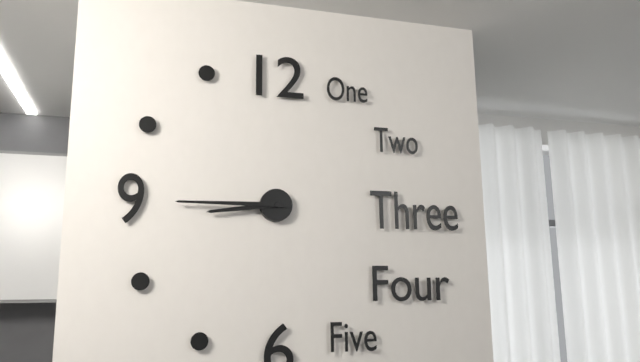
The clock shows 8 h 45 min
